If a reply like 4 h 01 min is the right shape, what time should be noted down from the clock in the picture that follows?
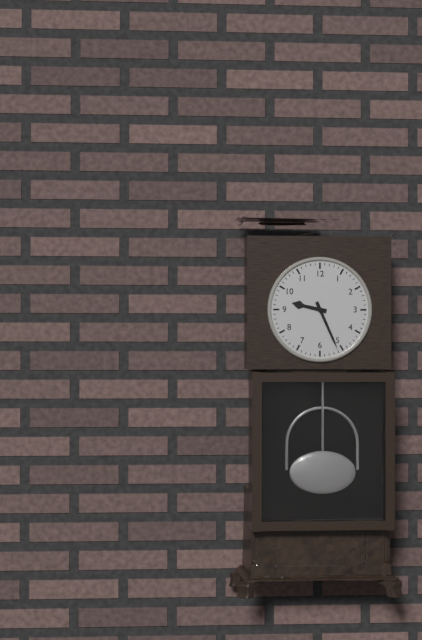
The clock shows 9 h 26 min
